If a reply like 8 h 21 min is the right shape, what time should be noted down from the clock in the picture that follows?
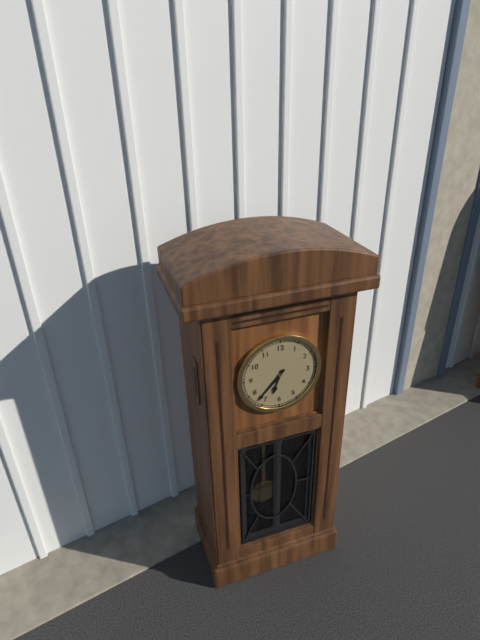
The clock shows 6 h 37 min
